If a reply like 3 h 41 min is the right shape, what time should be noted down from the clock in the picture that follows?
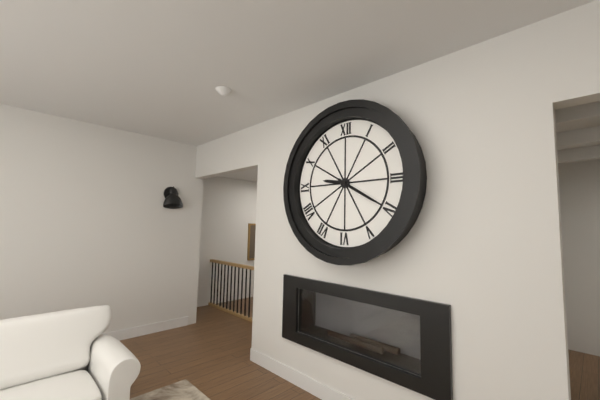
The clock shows 9 h 20 min
